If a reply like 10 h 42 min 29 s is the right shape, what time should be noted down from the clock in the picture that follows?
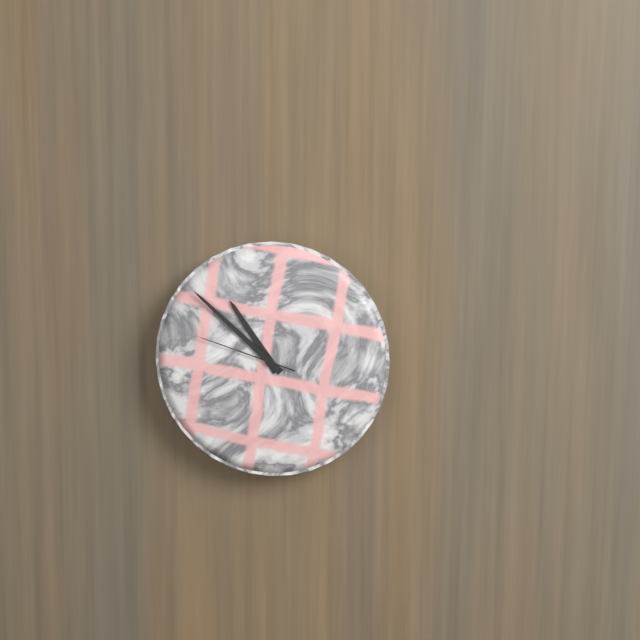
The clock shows 10 h 52 min 48 s
